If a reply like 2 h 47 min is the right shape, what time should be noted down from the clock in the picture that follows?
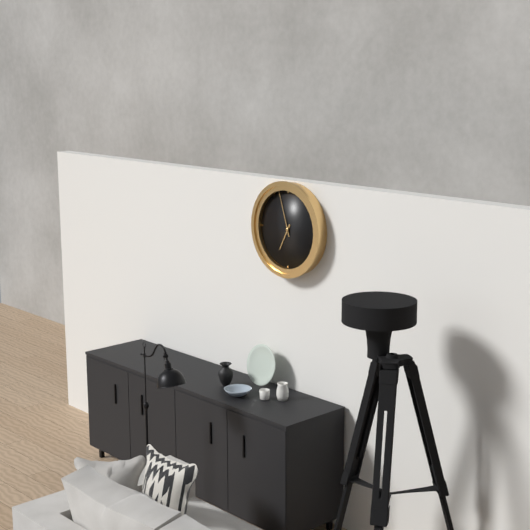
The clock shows 6 h 57 min
